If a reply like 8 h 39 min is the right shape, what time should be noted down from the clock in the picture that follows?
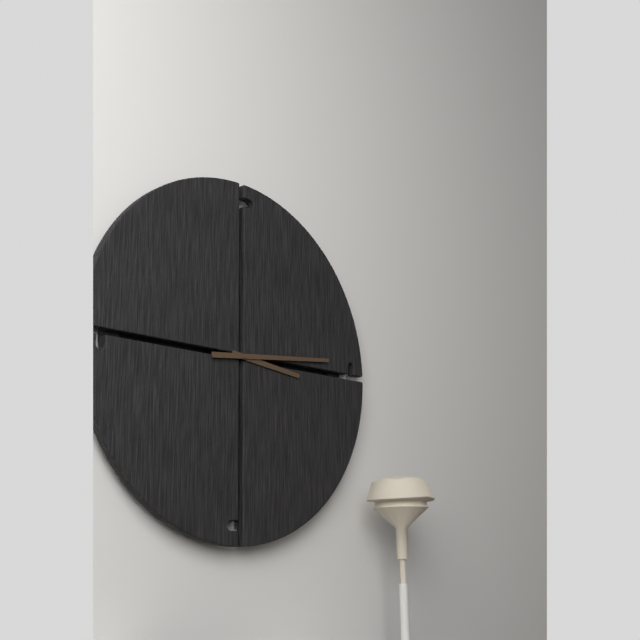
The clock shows 3 h 14 min
